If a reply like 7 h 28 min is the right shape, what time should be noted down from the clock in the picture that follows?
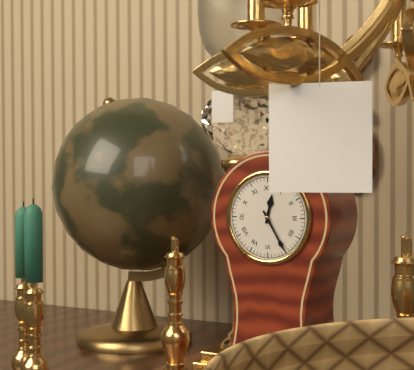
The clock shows 12 h 25 min
